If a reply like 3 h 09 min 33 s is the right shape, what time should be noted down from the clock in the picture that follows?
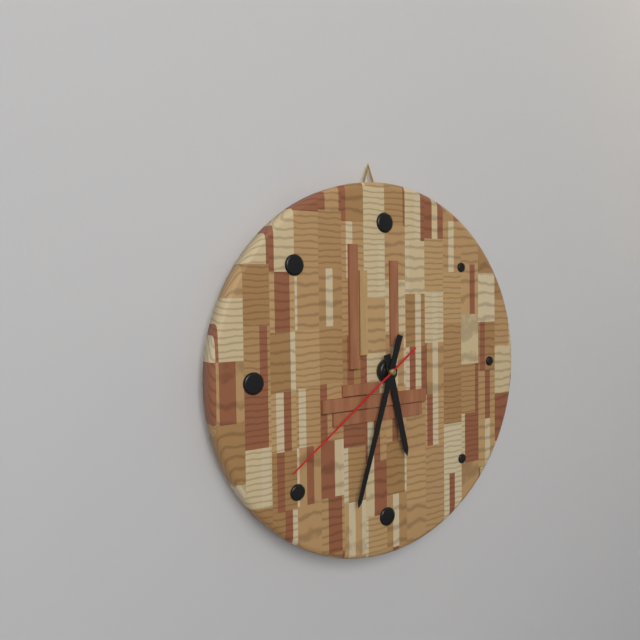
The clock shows 5 h 33 min 39 s
